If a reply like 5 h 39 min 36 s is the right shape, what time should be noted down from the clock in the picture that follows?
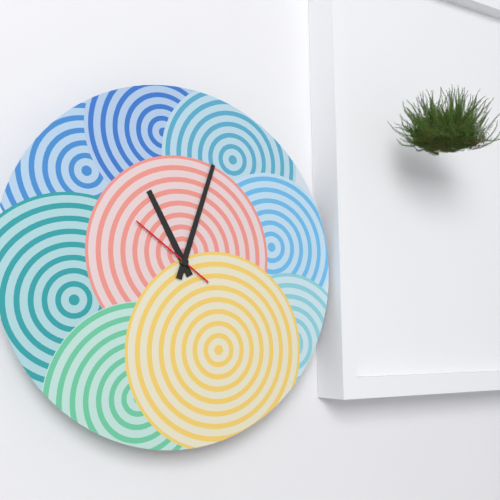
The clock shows 11 h 03 min 51 s
